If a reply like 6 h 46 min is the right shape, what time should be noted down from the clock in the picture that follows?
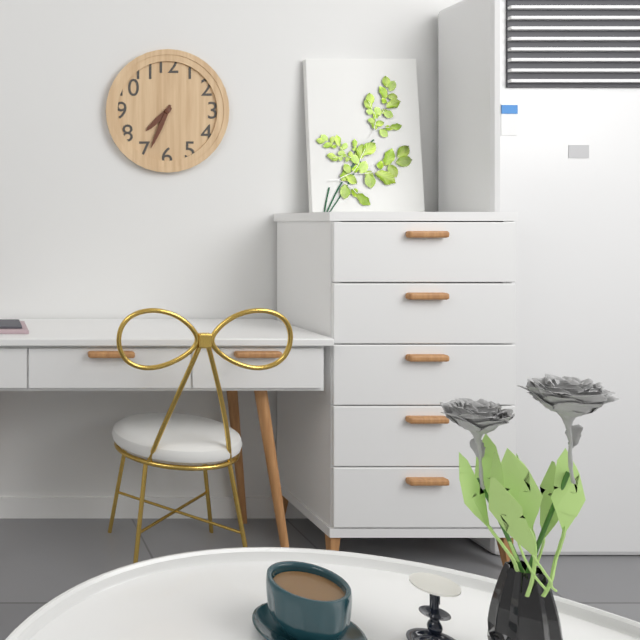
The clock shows 7 h 34 min
